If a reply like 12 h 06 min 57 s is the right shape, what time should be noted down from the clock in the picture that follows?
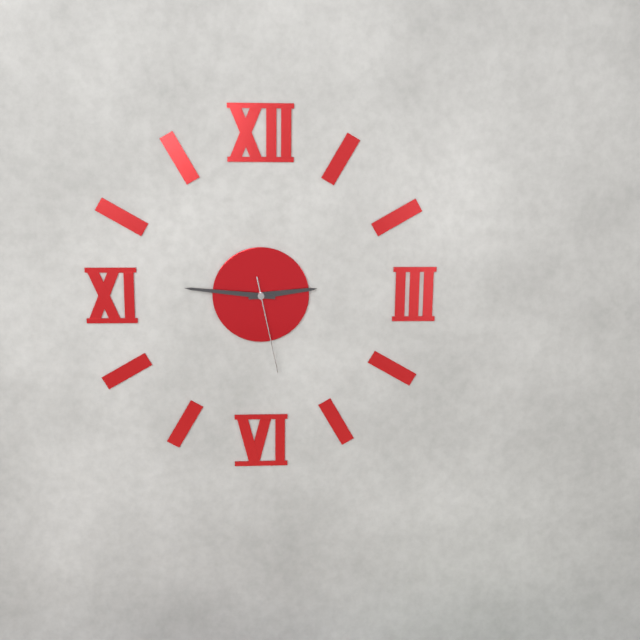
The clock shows 2 h 46 min 28 s
